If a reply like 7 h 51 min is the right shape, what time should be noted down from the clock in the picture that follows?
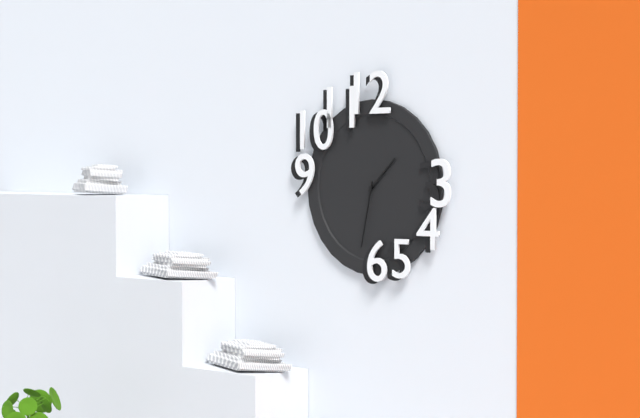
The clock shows 1 h 32 min
